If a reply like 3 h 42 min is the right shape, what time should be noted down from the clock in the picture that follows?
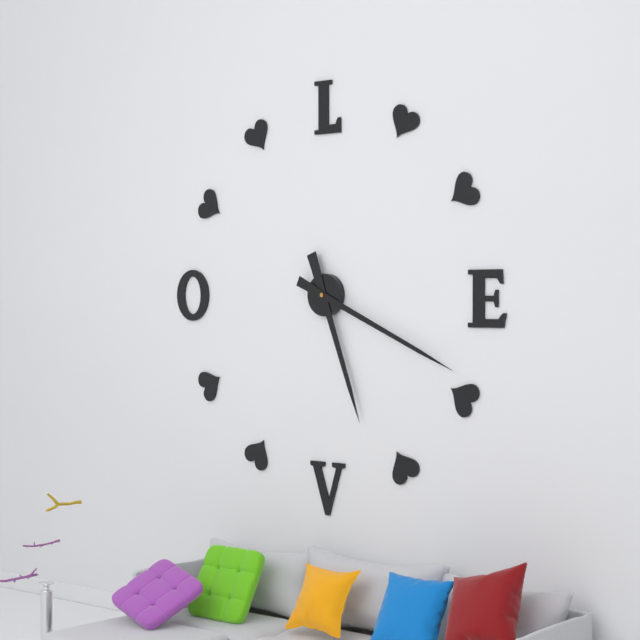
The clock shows 5 h 19 min
